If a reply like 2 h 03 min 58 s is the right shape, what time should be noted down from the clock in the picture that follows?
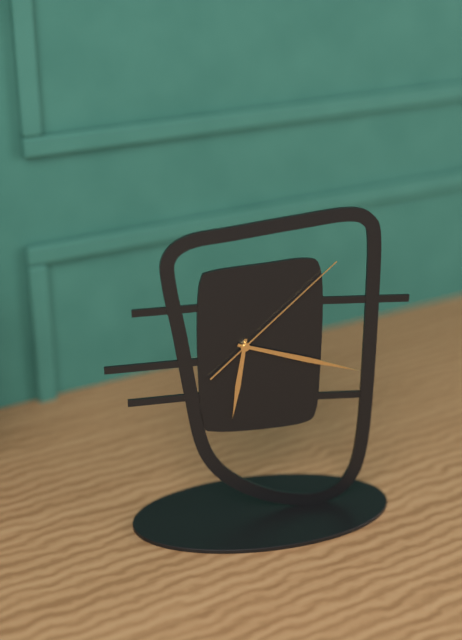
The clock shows 6 h 18 min 08 s
